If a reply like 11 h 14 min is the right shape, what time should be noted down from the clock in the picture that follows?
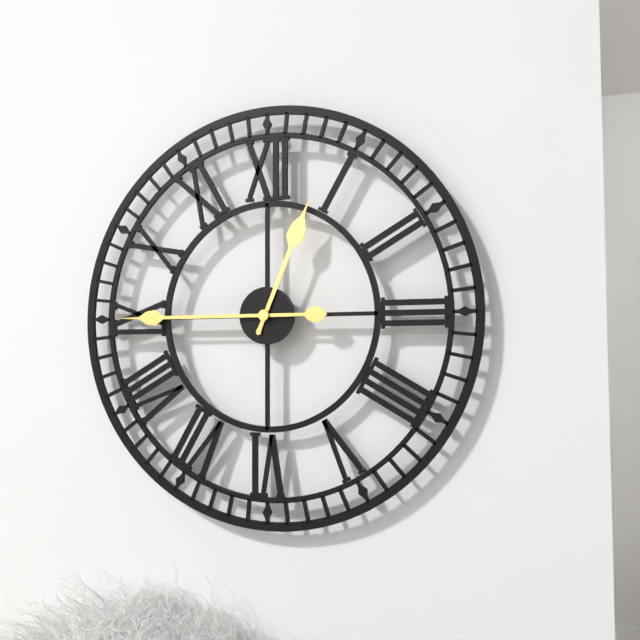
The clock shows 12 h 45 min
